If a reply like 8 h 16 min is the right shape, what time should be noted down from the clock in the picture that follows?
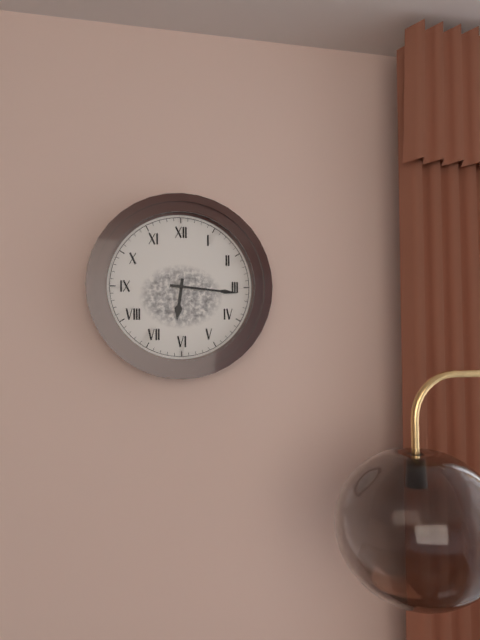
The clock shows 6 h 16 min
